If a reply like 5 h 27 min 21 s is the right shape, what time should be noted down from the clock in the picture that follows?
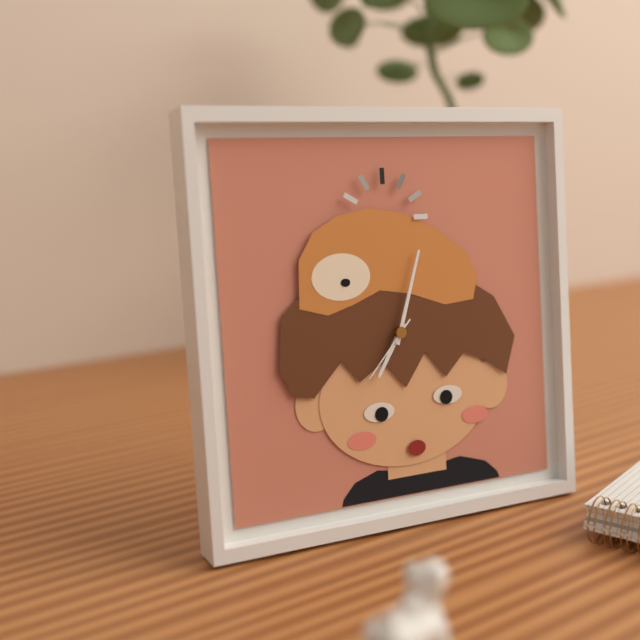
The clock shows 7 h 03 min 37 s
